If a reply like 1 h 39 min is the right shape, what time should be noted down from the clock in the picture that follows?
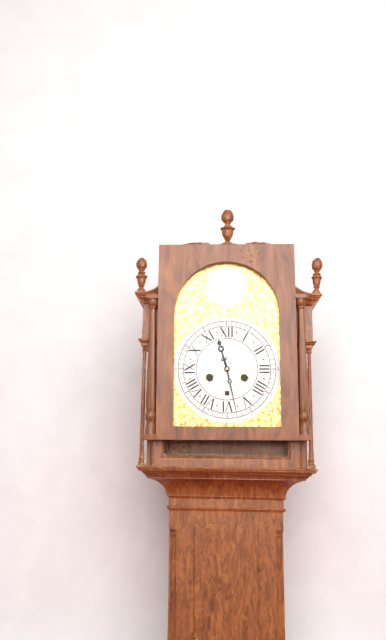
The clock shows 11 h 28 min
